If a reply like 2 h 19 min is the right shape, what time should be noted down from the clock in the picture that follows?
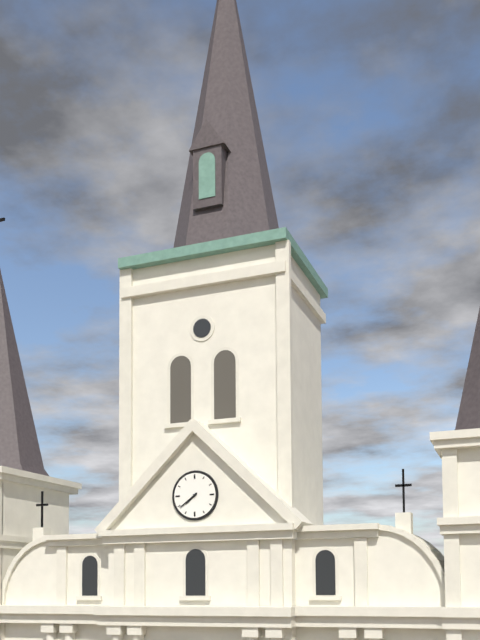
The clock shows 7 h 39 min
